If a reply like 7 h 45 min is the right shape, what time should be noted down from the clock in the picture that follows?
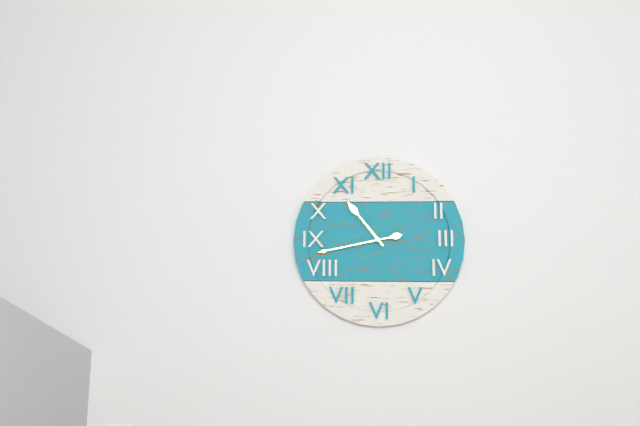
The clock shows 10 h 43 min
